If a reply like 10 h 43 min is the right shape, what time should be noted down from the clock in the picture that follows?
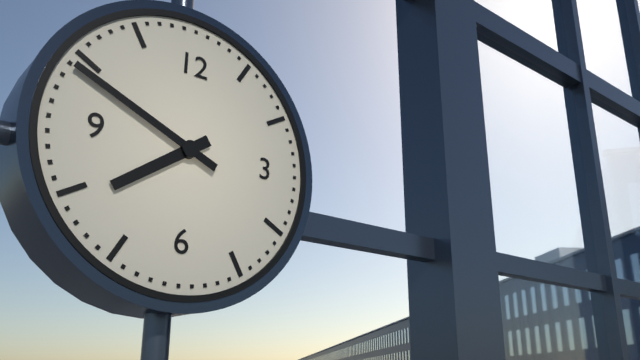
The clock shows 7 h 49 min
